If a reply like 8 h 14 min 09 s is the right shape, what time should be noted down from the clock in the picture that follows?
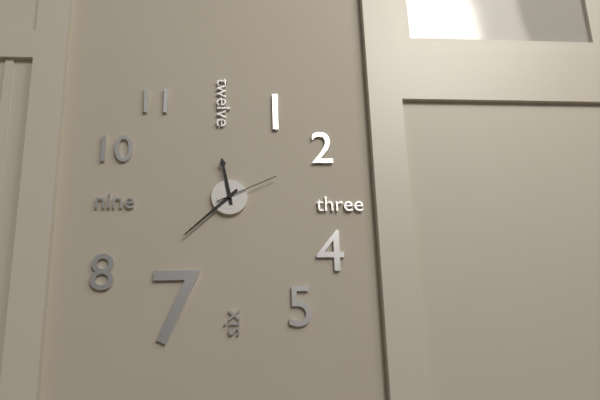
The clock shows 11 h 38 min 11 s
